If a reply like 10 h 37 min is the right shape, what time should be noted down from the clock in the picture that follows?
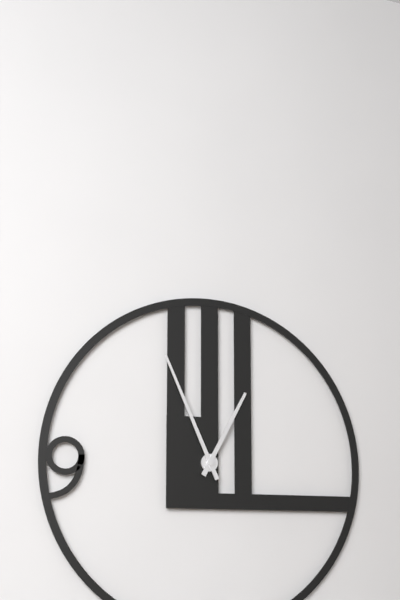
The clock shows 12 h 56 min
